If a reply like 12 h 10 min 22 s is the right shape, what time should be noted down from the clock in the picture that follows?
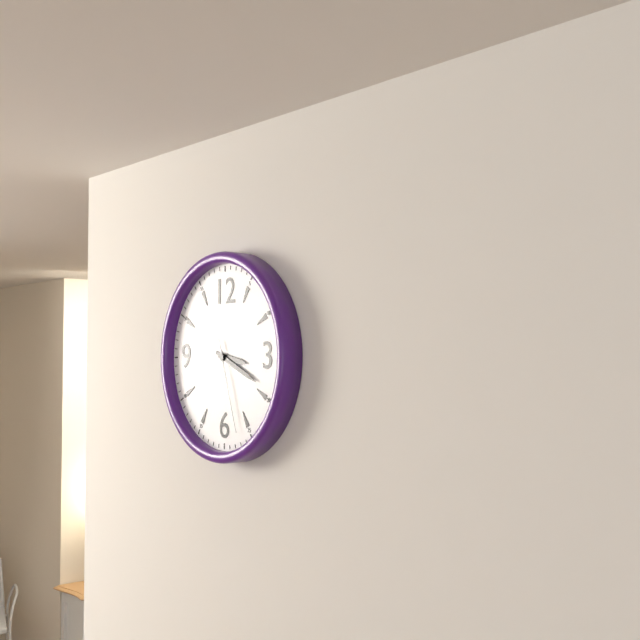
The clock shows 3 h 19 min 27 s
